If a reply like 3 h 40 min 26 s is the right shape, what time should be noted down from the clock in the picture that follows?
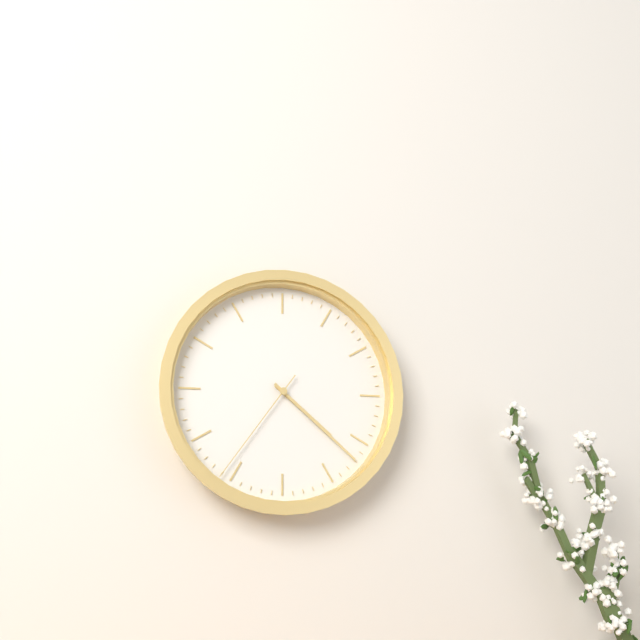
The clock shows 4 h 22 min 36 s
